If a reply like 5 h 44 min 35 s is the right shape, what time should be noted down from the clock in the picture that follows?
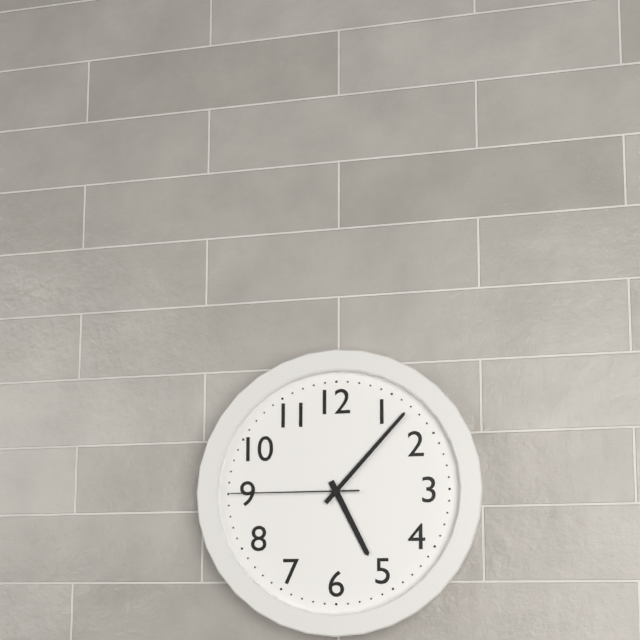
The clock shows 5 h 07 min 45 s
